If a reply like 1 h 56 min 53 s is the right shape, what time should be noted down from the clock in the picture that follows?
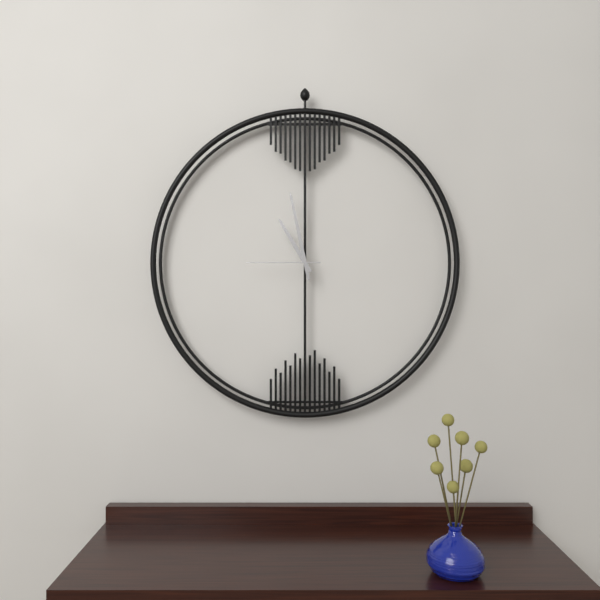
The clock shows 10 h 58 min 45 s
